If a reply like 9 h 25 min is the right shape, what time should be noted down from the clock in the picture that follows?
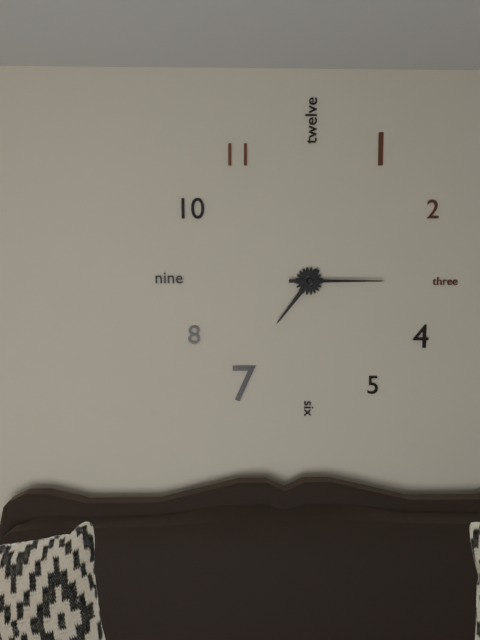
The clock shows 7 h 15 min
